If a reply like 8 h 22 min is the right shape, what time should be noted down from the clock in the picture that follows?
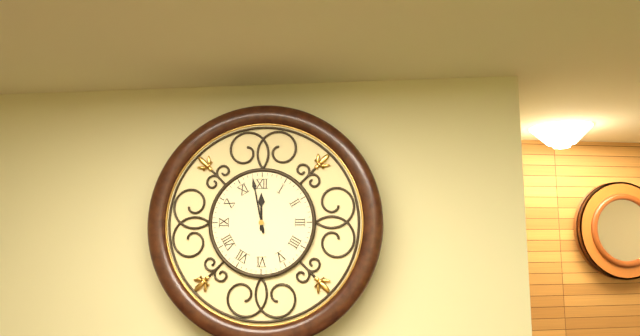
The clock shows 11 h 58 min
